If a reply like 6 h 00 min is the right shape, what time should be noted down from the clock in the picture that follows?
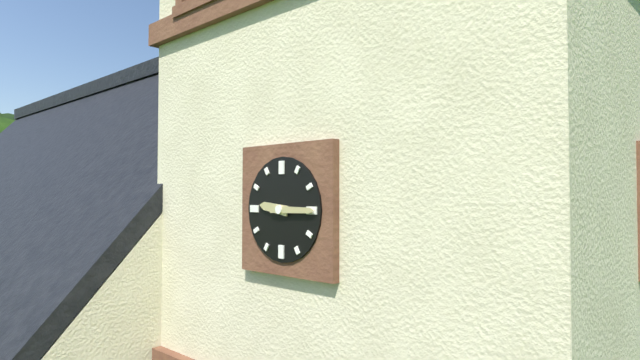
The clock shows 9 h 15 min
